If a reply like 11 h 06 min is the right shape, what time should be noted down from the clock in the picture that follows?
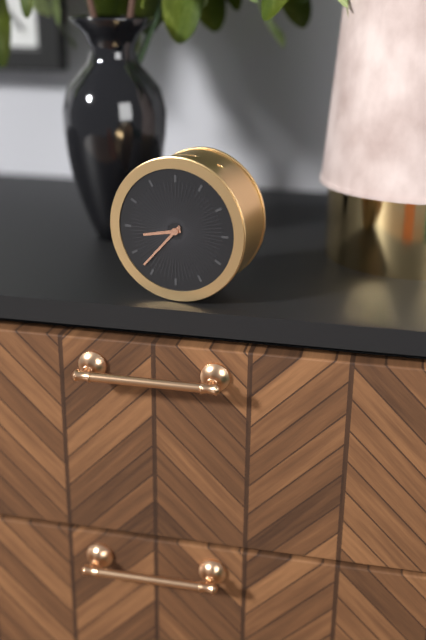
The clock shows 8 h 37 min
